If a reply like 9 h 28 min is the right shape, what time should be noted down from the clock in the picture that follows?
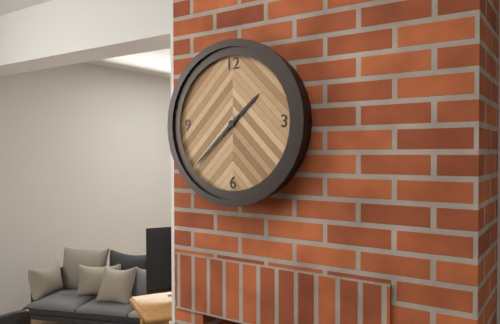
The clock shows 1 h 38 min
